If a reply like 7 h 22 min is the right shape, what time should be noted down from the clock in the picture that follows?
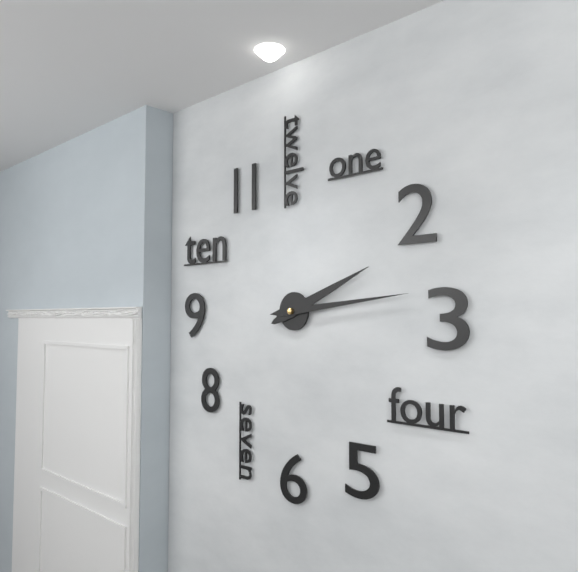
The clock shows 2 h 14 min
